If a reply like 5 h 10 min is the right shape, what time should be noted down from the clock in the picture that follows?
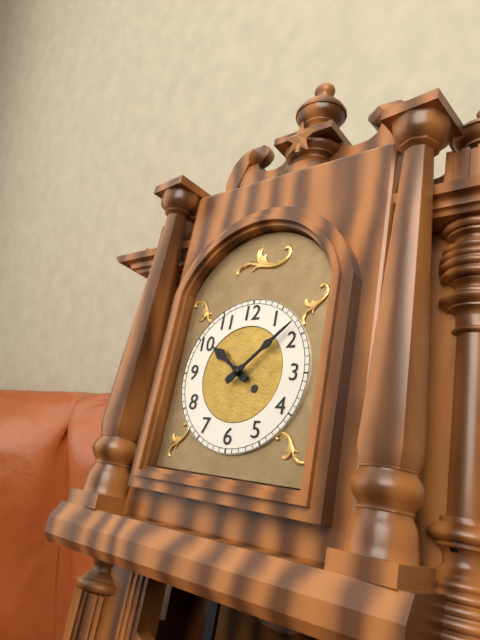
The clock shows 10 h 08 min
